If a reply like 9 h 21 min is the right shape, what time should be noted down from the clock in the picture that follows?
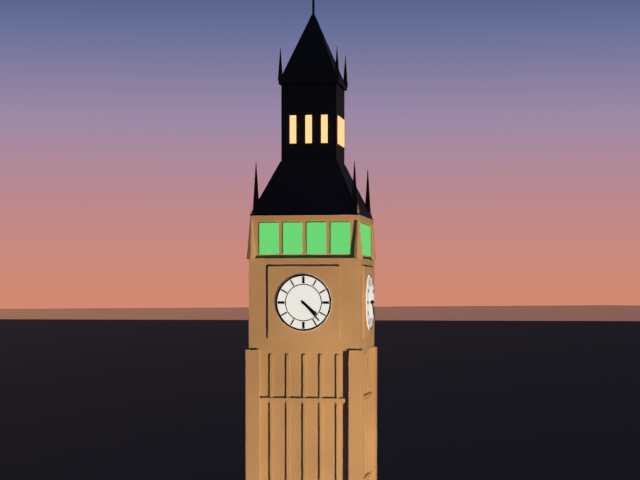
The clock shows 4 h 23 min
